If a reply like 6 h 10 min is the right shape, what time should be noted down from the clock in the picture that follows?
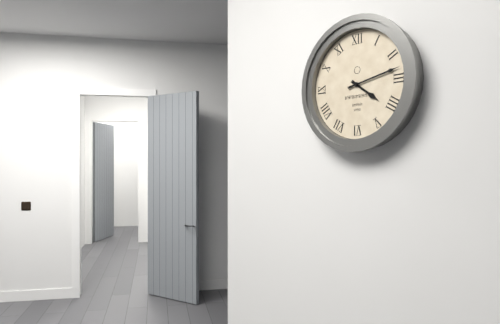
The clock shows 4 h 13 min
